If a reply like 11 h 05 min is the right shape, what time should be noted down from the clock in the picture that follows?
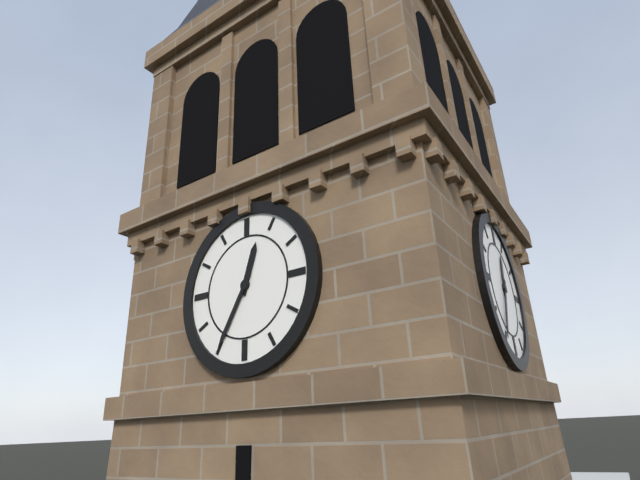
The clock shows 12 h 35 min
